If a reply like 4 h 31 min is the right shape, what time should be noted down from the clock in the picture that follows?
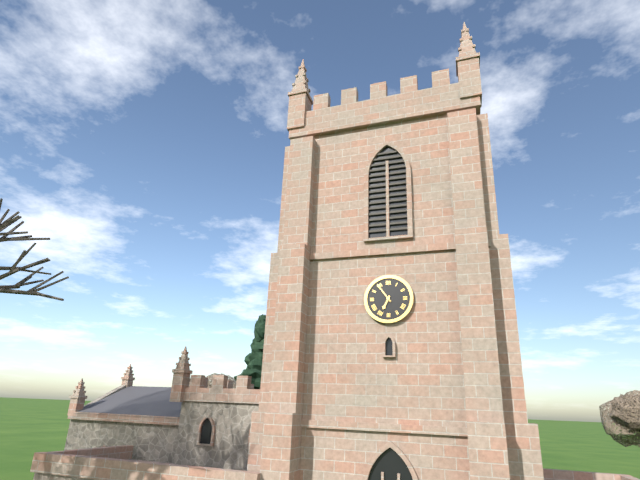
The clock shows 6 h 54 min
